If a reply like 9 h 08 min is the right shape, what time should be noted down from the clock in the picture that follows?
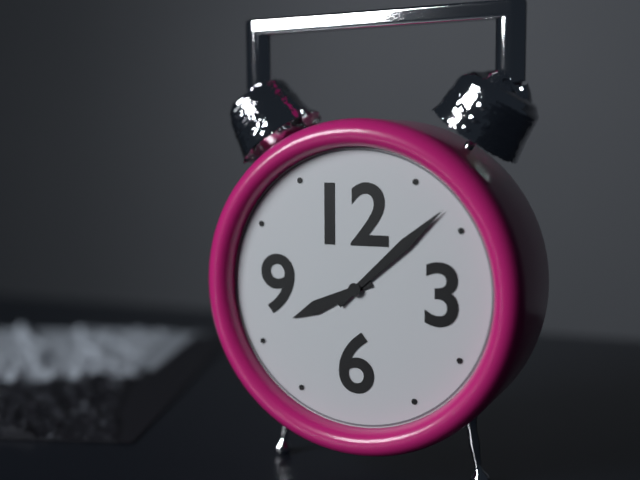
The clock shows 8 h 08 min
